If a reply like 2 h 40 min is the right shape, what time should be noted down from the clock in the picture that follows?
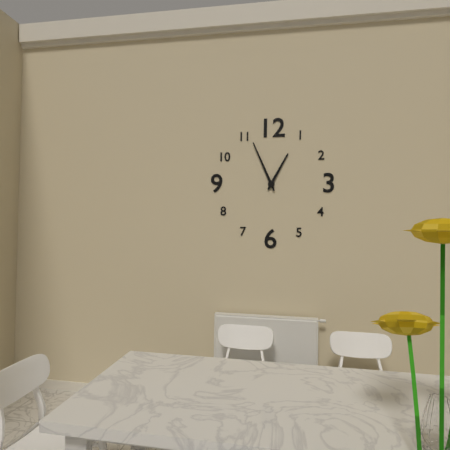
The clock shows 12 h 56 min
